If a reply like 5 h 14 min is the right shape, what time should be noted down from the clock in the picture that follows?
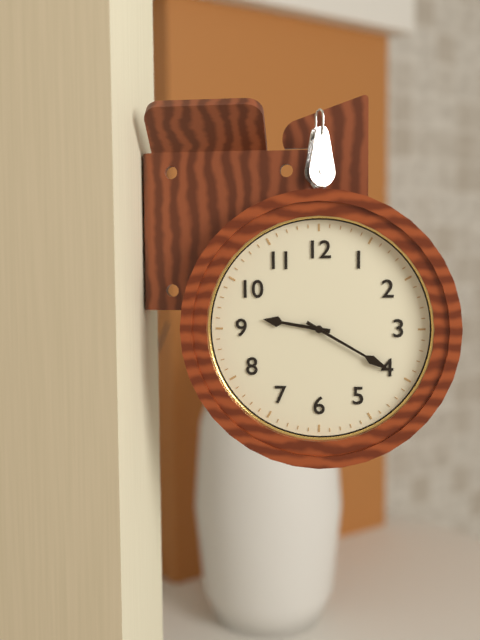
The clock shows 9 h 20 min
